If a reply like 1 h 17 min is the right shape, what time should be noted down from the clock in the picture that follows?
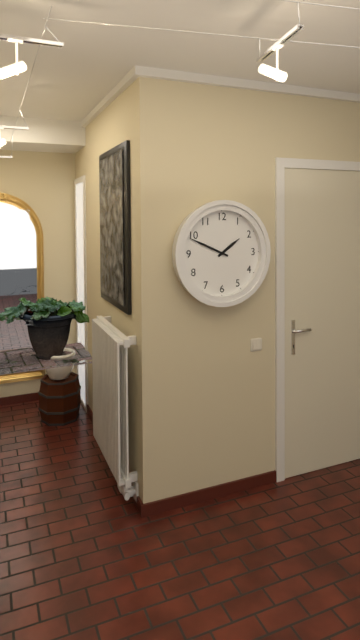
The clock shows 1 h 49 min
